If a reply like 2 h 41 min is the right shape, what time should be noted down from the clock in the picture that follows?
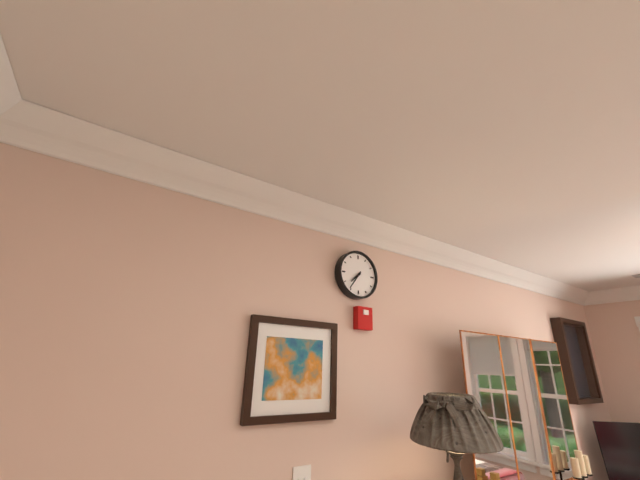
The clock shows 7 h 36 min
